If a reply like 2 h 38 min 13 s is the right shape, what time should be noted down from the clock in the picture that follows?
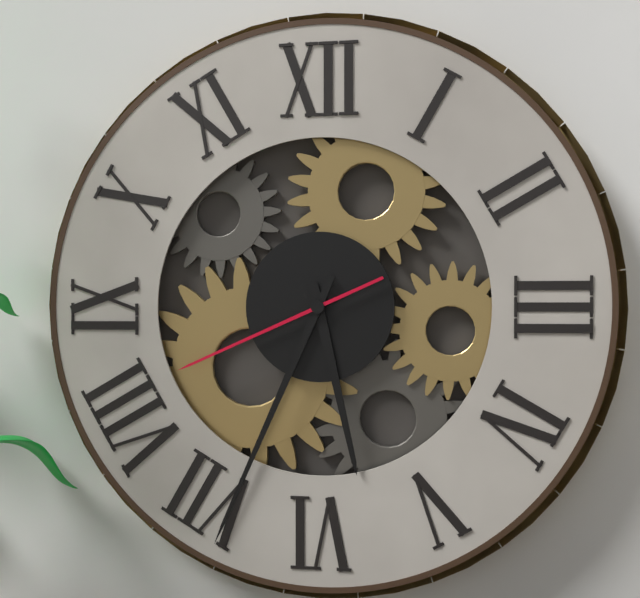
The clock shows 5 h 34 min 41 s
